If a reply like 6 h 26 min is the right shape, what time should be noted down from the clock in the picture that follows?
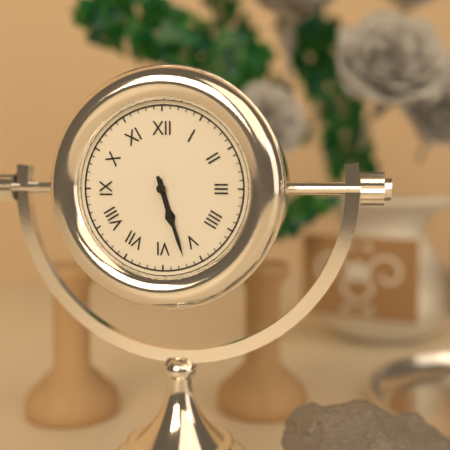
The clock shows 5 h 27 min
